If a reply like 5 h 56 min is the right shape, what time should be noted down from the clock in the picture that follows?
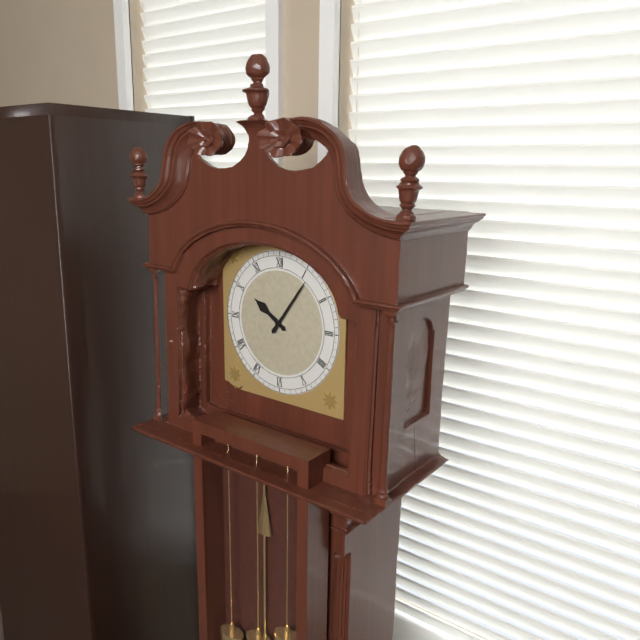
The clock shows 10 h 06 min
